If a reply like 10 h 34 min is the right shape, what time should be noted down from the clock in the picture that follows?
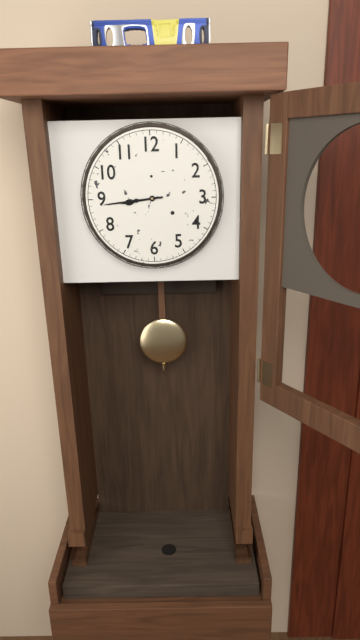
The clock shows 8 h 44 min
